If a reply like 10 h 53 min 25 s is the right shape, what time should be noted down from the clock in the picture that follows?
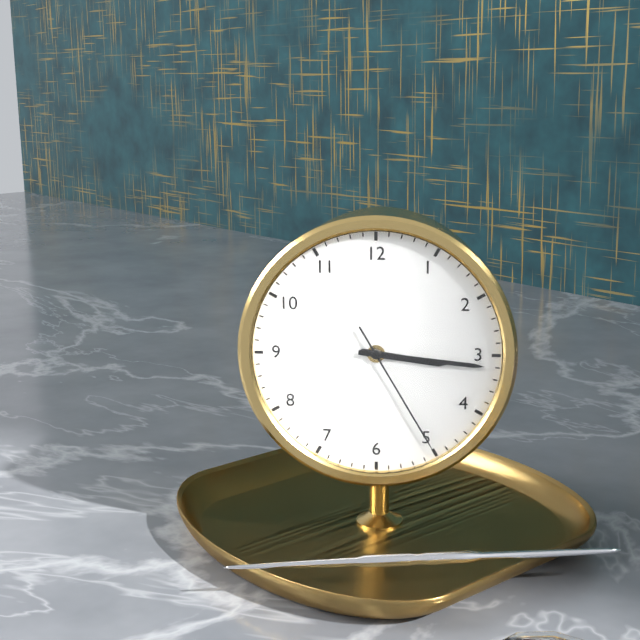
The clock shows 3 h 16 min 25 s
